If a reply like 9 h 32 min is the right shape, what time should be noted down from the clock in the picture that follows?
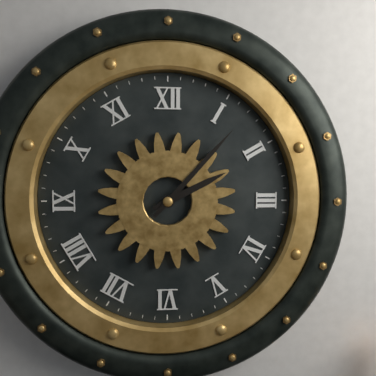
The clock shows 2 h 07 min
